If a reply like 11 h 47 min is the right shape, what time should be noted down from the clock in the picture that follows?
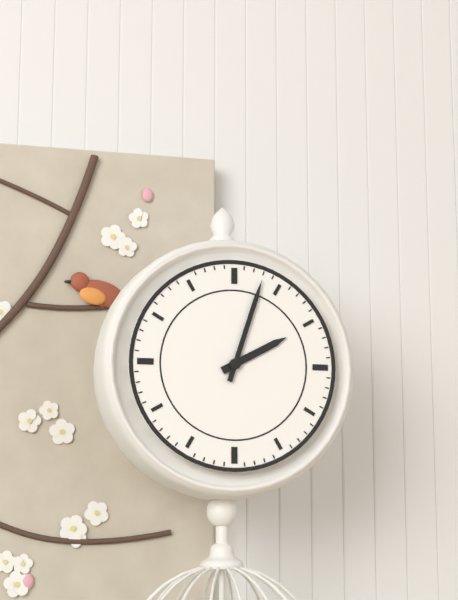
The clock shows 2 h 03 min
